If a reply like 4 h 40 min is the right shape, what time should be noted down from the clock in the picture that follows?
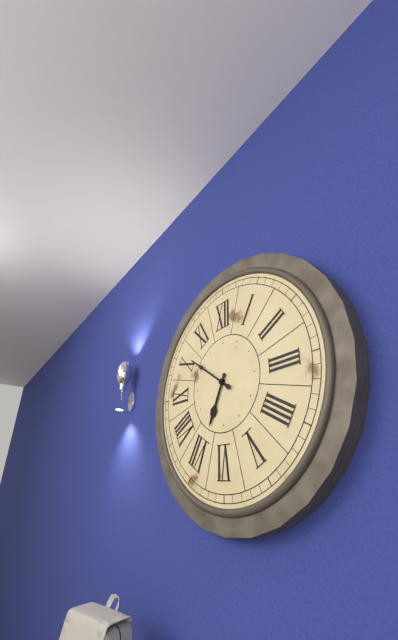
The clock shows 6 h 51 min
